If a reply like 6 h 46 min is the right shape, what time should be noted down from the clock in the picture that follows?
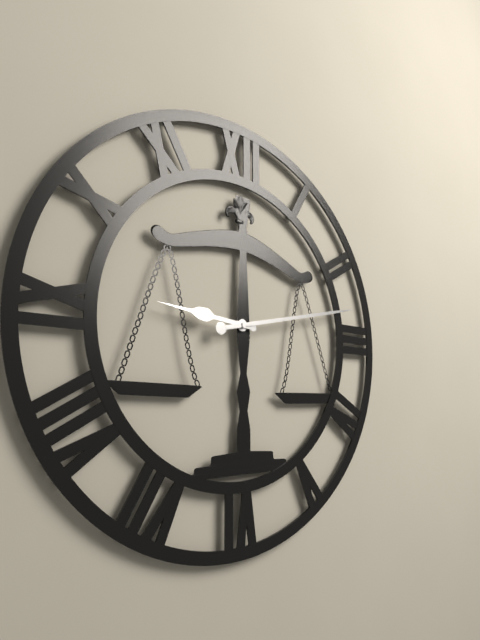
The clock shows 9 h 13 min
